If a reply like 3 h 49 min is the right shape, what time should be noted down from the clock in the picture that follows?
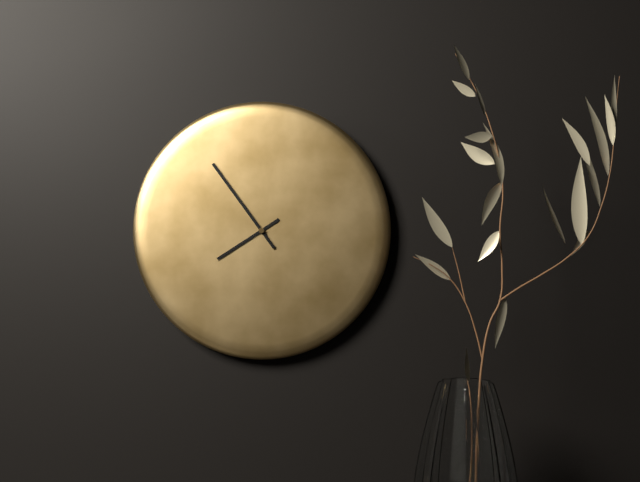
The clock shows 7 h 54 min
